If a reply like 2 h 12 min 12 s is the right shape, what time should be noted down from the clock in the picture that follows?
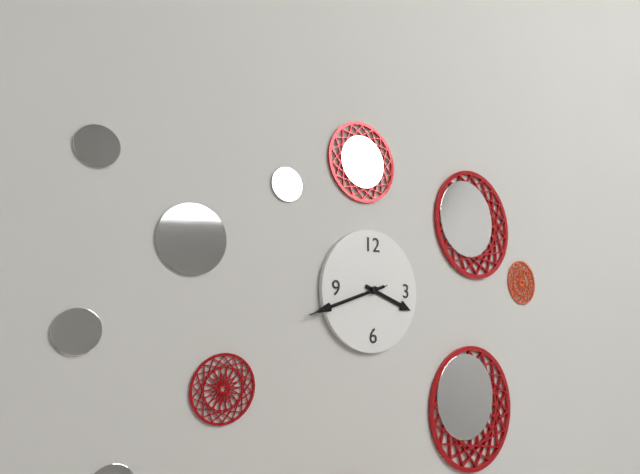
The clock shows 3 h 42 min 42 s
